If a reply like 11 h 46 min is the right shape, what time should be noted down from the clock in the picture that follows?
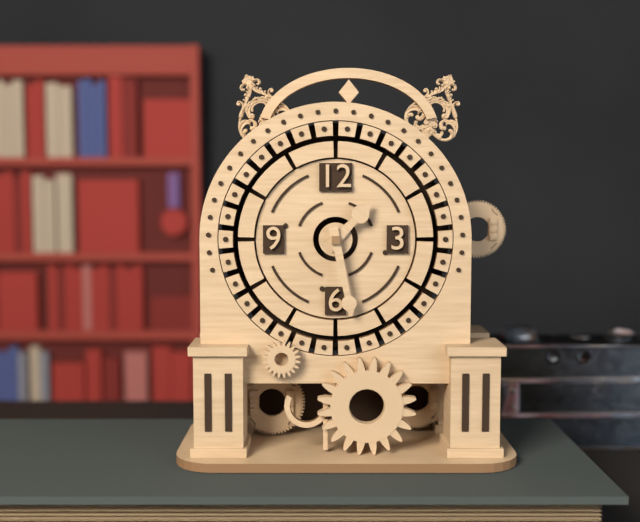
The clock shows 1 h 28 min
